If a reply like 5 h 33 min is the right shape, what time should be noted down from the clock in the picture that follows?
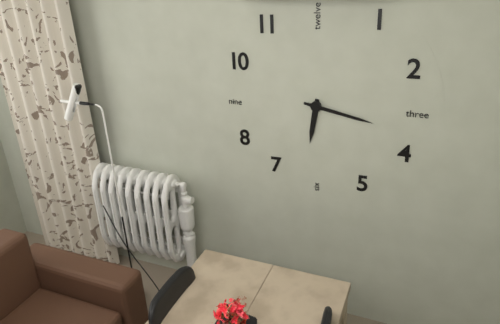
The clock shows 6 h 17 min
